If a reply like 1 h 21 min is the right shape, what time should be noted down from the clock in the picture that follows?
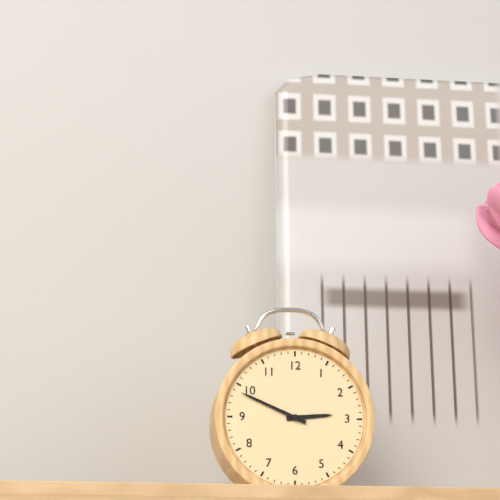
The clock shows 2 h 49 min
